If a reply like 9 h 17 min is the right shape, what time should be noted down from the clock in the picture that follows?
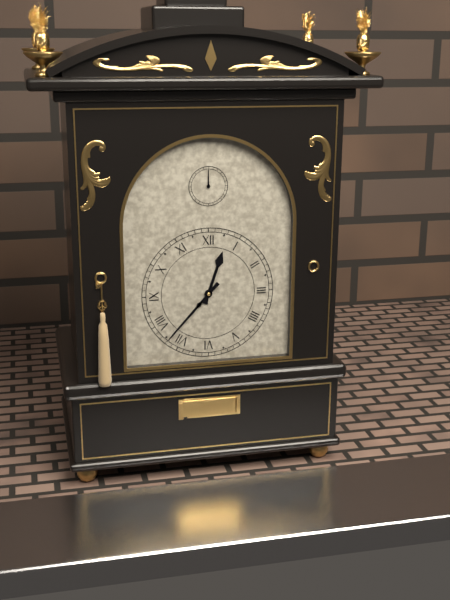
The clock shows 12 h 37 min
